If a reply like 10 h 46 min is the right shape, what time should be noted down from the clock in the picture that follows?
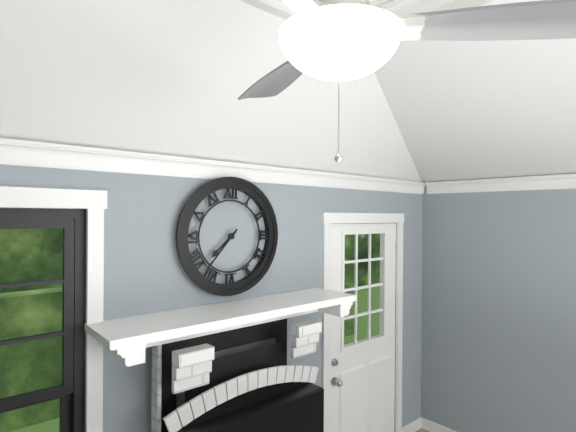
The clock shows 7 h 37 min
